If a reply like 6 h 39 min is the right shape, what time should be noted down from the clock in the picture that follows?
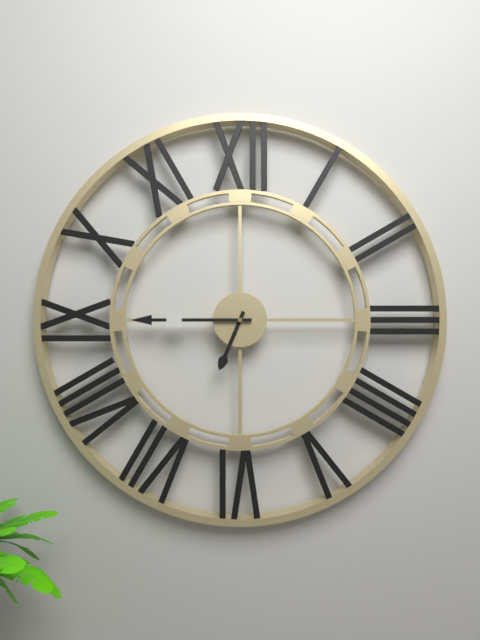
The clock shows 6 h 45 min
